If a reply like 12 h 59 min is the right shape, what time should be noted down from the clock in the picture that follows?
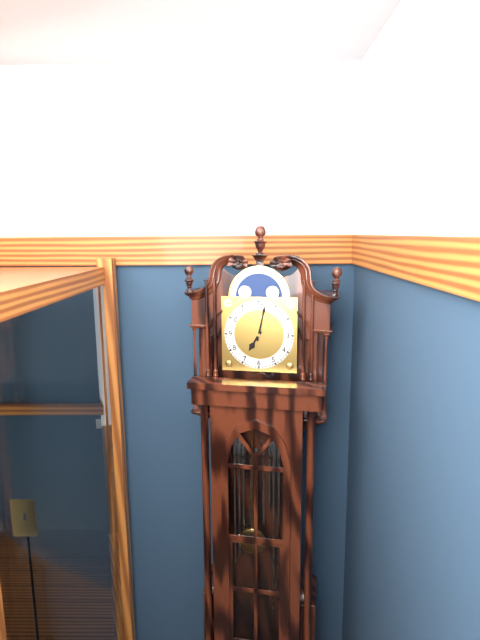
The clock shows 7 h 02 min
